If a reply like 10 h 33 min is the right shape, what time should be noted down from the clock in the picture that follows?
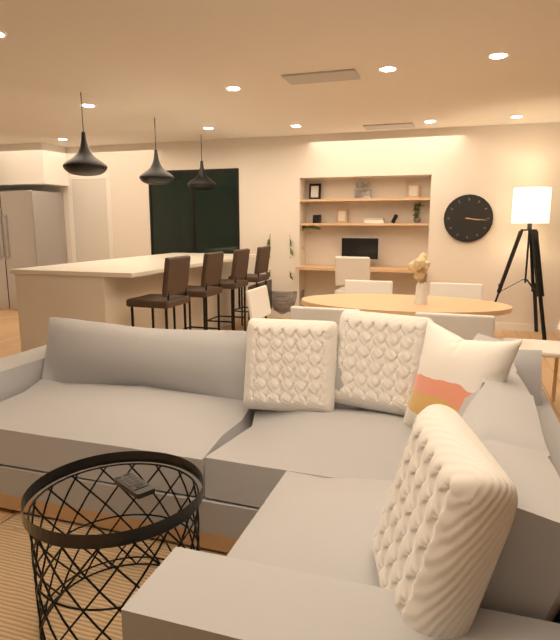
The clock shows 3 h 16 min
